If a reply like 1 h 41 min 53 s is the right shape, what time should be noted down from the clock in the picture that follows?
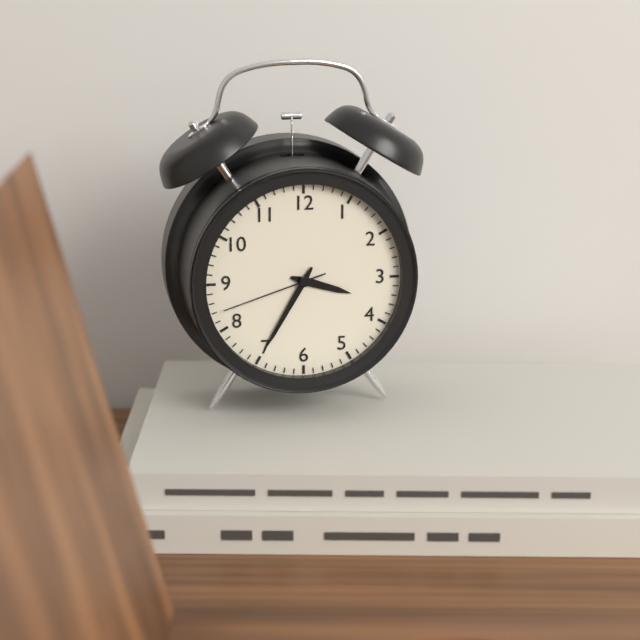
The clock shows 3 h 35 min 42 s
